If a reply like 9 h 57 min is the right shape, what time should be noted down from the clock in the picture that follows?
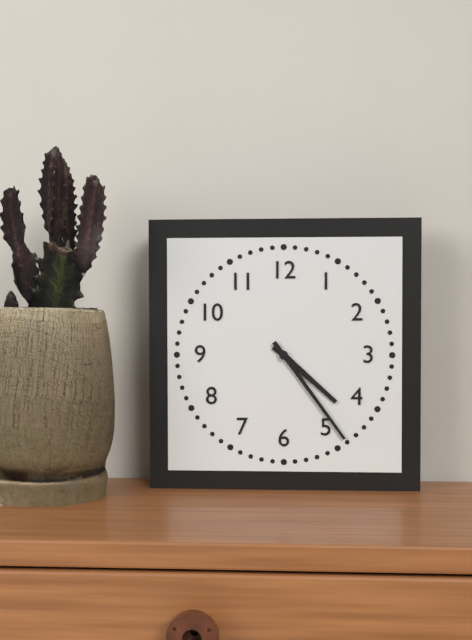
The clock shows 4 h 24 min
